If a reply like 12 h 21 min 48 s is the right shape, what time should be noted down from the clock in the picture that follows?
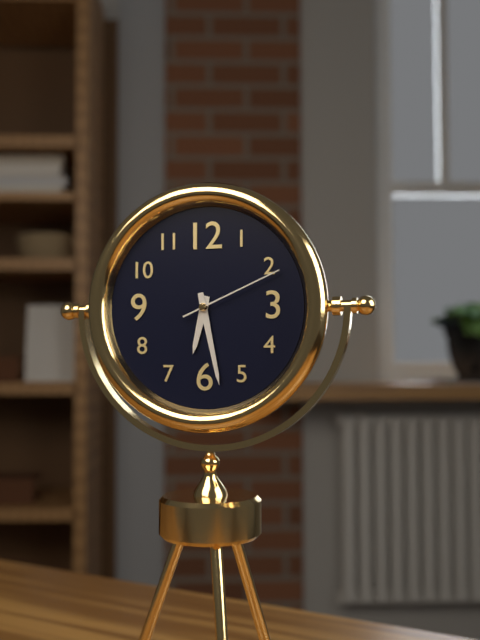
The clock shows 6 h 28 min 11 s
